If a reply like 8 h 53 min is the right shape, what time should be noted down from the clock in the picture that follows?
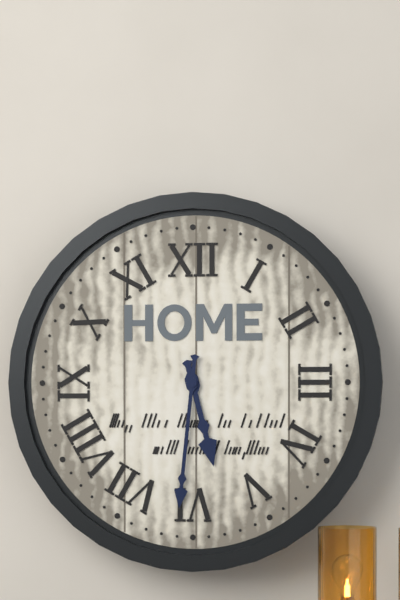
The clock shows 5 h 31 min
